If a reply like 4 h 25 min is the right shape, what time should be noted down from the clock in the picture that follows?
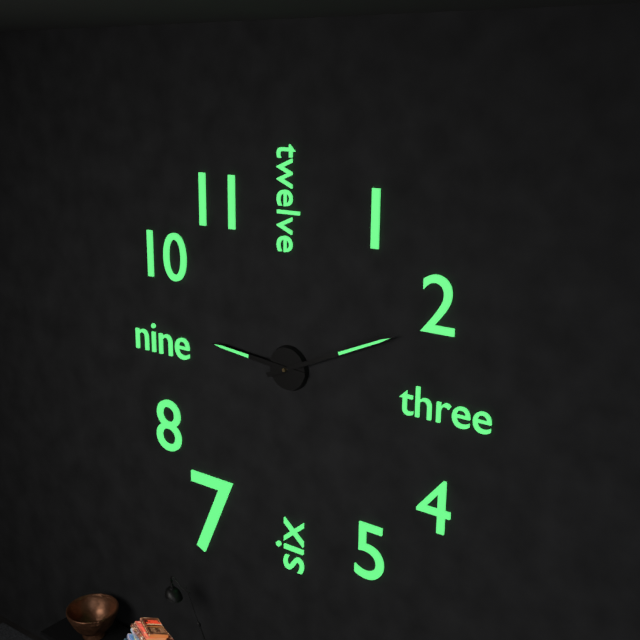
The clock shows 9 h 11 min
